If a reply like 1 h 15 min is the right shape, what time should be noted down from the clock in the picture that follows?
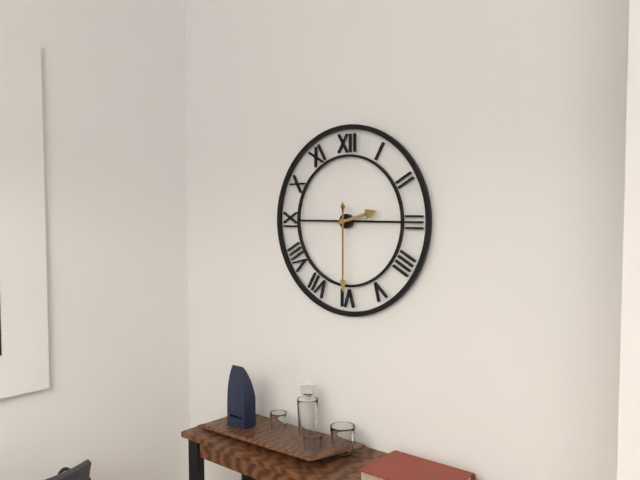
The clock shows 2 h 30 min
